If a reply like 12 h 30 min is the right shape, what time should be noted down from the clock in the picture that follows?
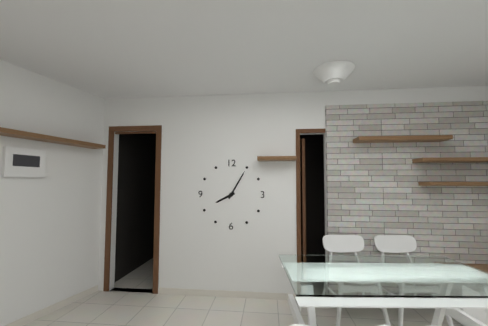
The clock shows 8 h 05 min
